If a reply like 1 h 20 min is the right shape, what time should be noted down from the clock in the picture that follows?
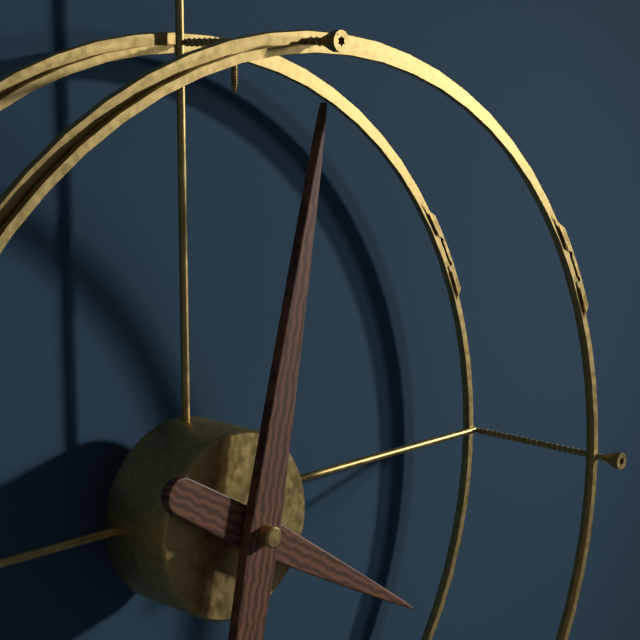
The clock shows 4 h 02 min
